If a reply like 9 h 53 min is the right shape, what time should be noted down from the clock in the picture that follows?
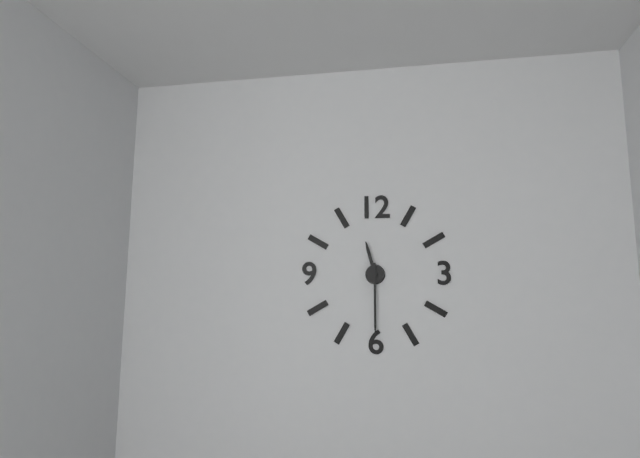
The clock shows 11 h 30 min
